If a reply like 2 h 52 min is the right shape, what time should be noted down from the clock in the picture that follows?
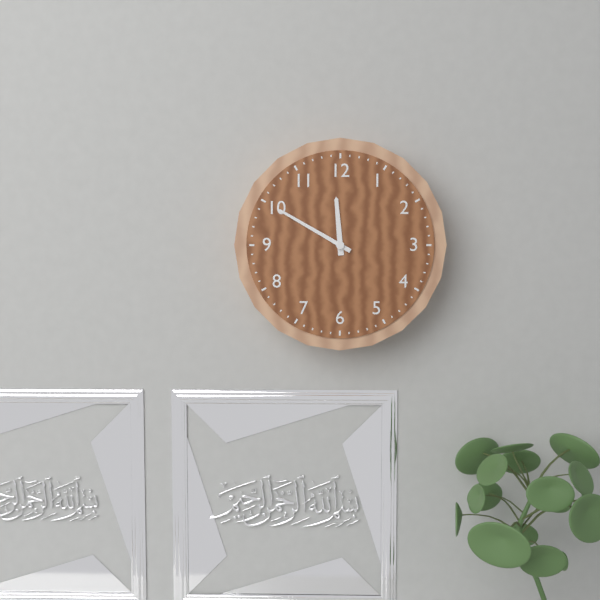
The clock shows 11 h 50 min
